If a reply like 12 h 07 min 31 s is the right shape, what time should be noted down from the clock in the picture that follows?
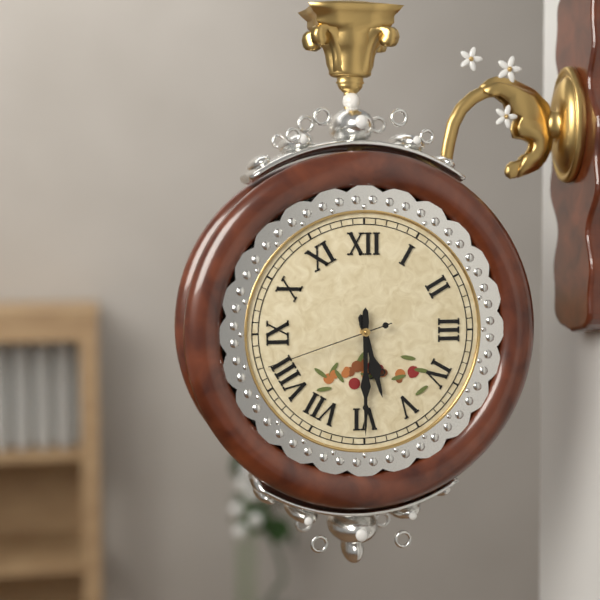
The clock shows 5 h 30 min 42 s
